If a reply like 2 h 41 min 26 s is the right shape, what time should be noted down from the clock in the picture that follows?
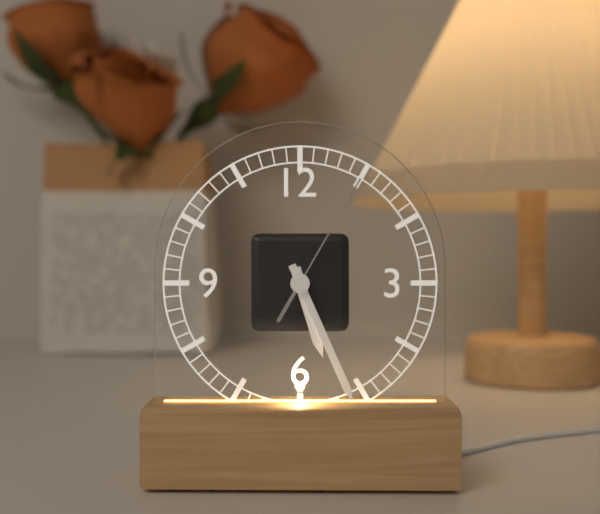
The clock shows 5 h 26 min 05 s
